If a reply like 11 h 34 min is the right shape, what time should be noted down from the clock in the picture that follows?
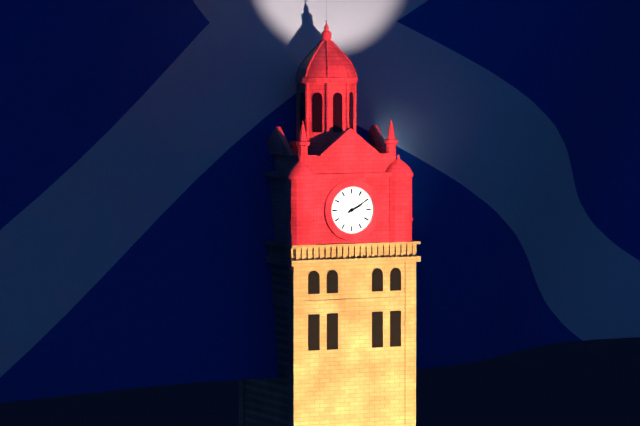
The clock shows 2 h 10 min
